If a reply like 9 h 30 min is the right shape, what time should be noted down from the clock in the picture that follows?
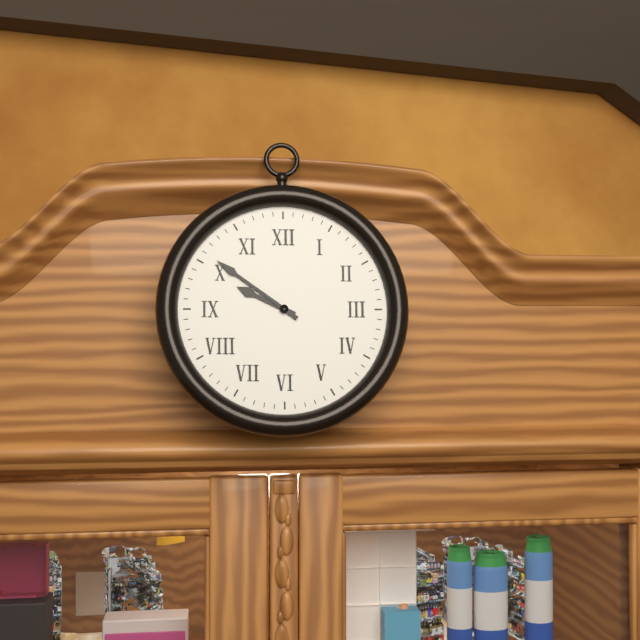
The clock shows 9 h 51 min
